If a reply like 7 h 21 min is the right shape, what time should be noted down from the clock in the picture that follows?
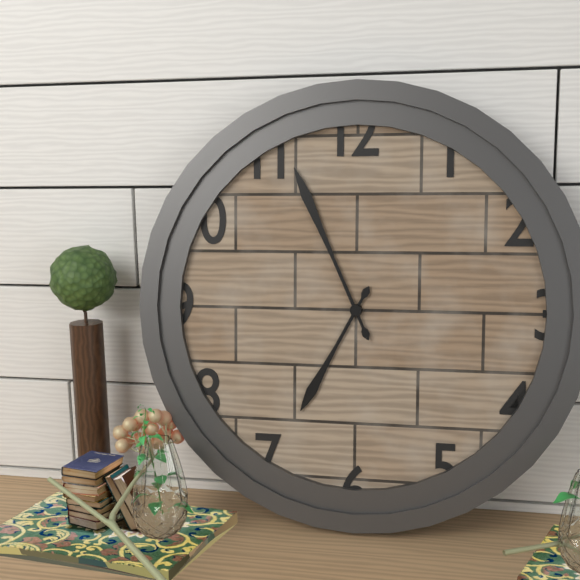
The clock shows 6 h 56 min
